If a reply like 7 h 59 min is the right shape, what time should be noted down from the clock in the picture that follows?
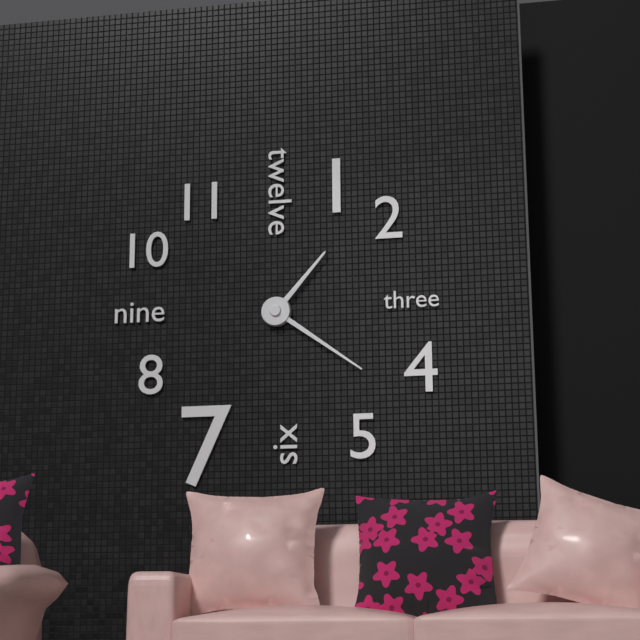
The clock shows 1 h 21 min
